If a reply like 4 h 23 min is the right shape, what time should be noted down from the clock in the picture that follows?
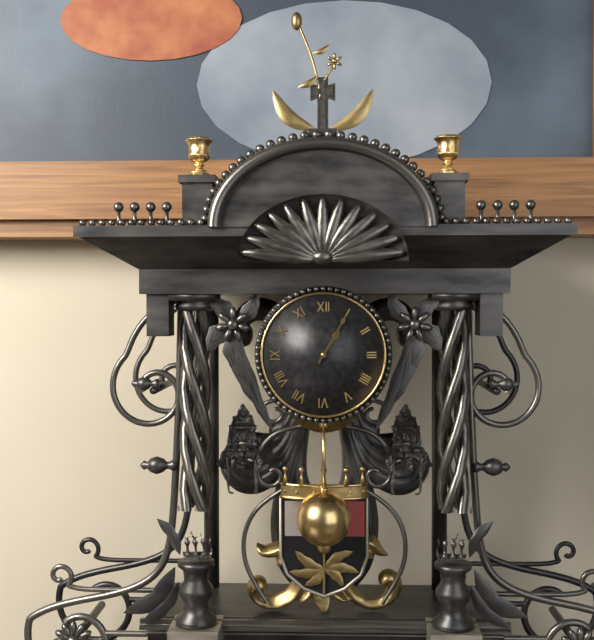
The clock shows 1 h 05 min
